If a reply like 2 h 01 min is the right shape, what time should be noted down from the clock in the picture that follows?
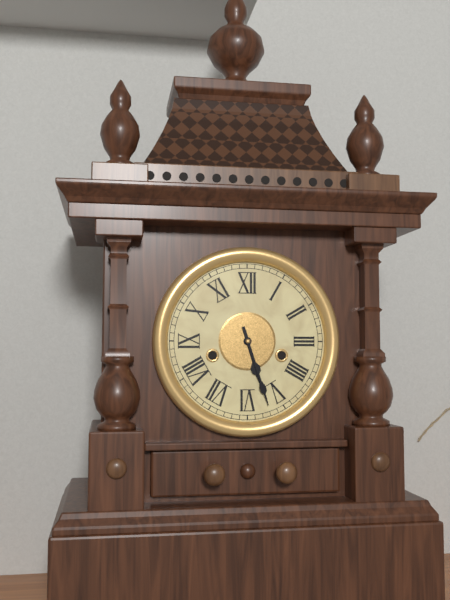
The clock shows 5 h 27 min
